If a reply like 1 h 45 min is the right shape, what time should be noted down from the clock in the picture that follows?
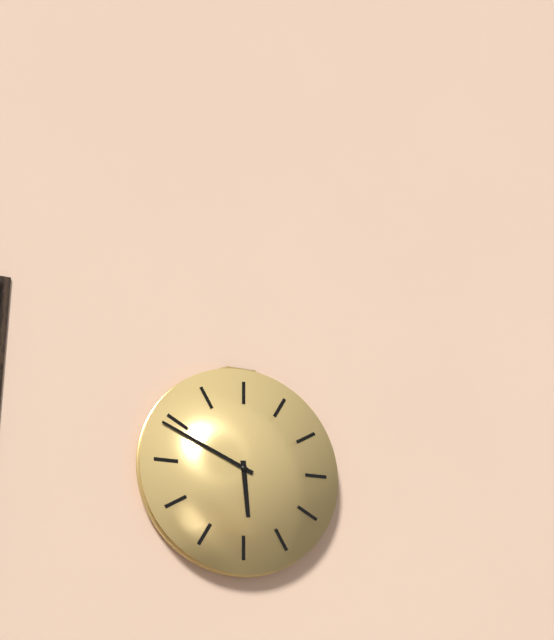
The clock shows 5 h 49 min
